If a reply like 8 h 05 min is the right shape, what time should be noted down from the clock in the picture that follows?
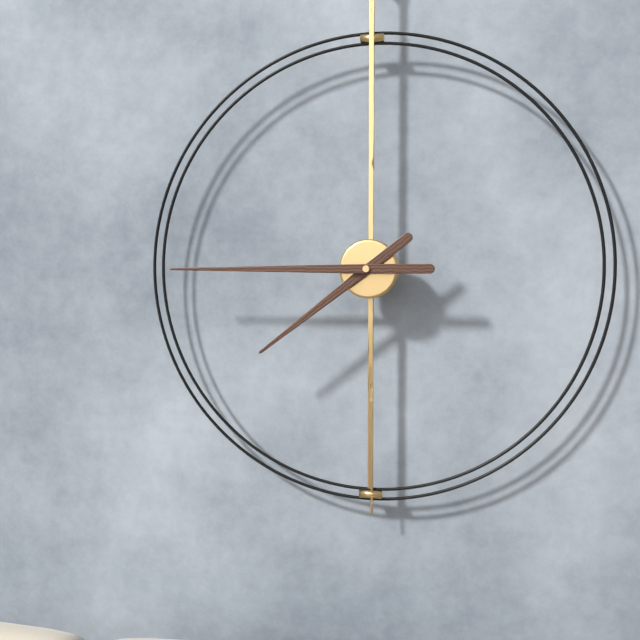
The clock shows 7 h 45 min
